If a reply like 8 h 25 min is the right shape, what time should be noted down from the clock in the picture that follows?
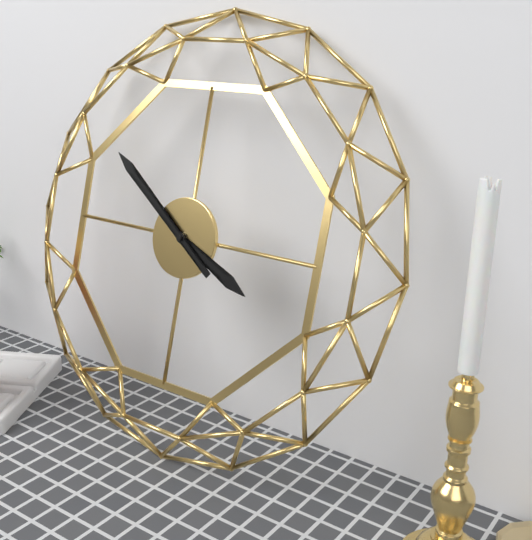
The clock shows 3 h 51 min
